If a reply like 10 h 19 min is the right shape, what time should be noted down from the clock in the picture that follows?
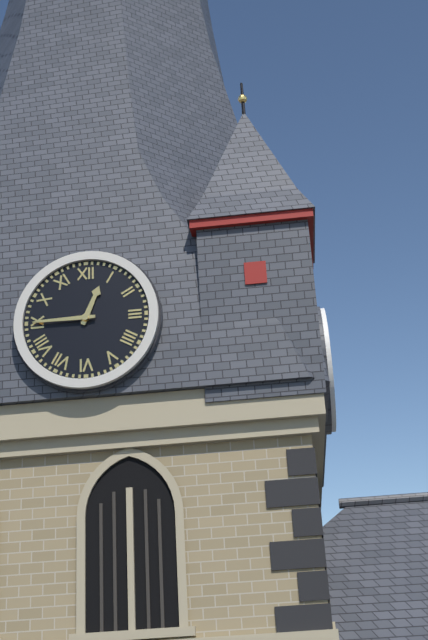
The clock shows 12 h 45 min
